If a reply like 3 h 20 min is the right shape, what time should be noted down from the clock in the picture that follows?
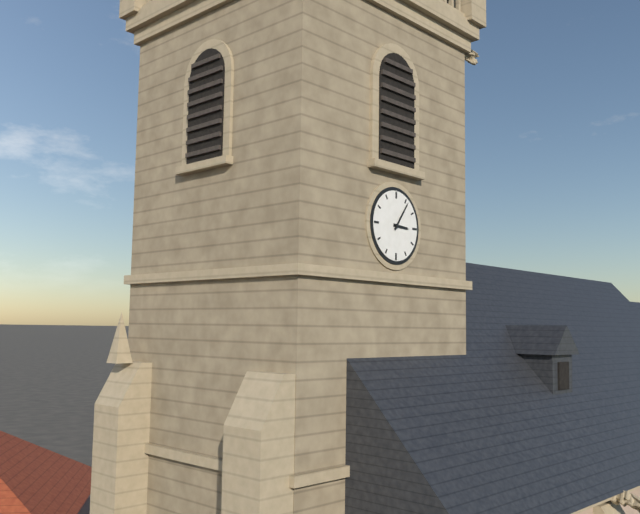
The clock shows 3 h 06 min
